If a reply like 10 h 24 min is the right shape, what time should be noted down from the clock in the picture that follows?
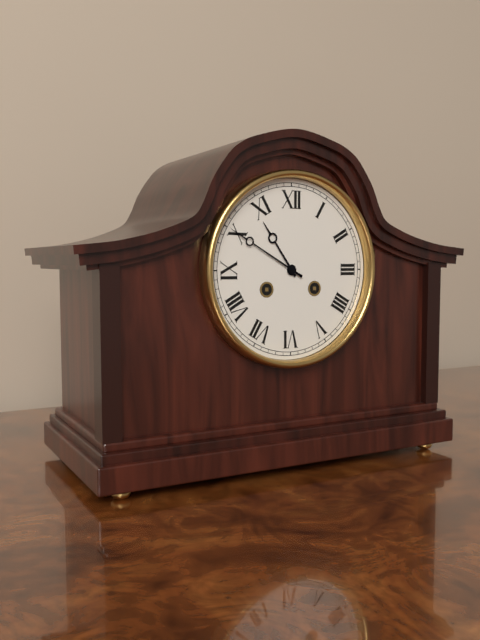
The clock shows 10 h 50 min
